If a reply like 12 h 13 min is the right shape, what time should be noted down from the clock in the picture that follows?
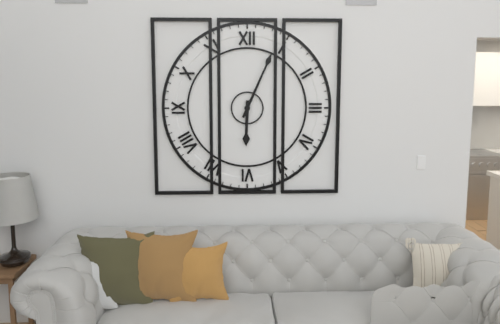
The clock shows 6 h 04 min
